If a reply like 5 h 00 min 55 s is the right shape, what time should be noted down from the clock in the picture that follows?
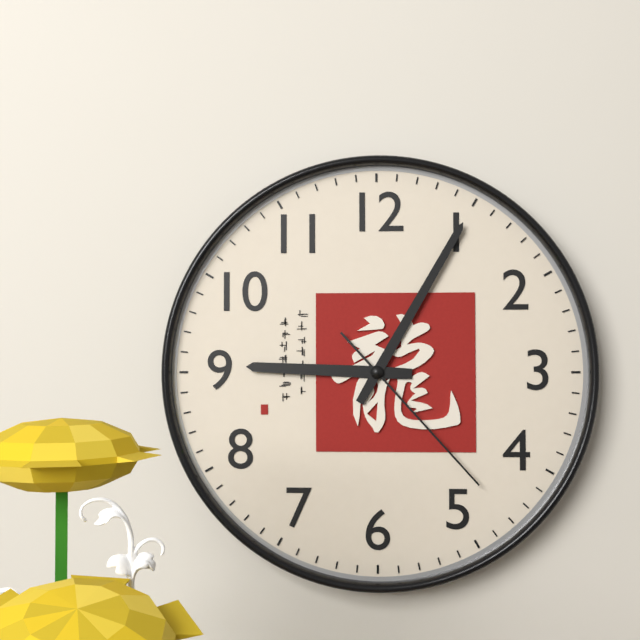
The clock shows 9 h 05 min 23 s
